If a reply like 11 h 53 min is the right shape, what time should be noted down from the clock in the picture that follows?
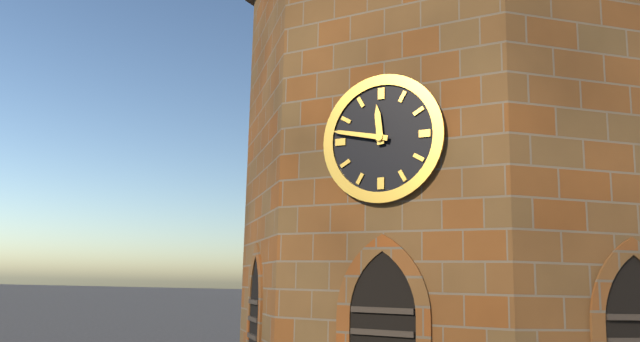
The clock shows 11 h 47 min
